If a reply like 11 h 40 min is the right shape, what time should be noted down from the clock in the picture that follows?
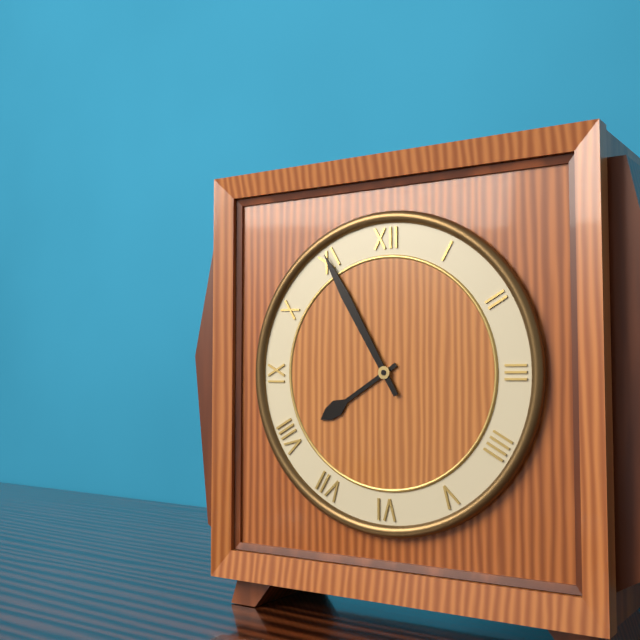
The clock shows 7 h 55 min
